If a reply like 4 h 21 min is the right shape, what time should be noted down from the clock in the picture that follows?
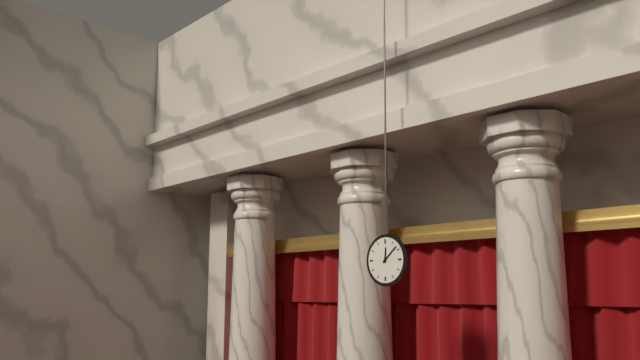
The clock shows 12 h 08 min
